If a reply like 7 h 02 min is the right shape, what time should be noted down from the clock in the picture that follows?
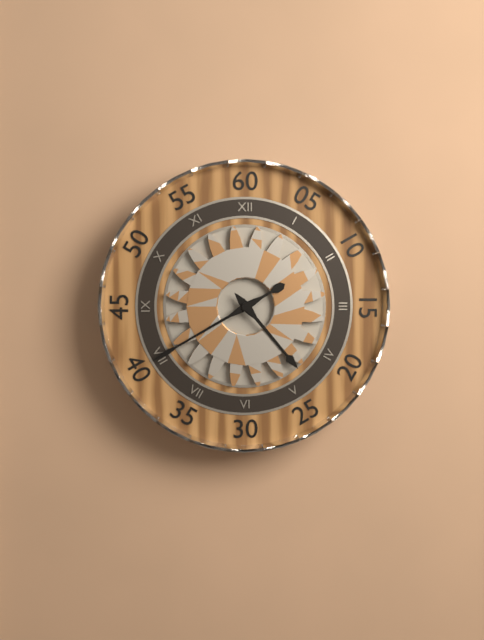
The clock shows 4 h 40 min
